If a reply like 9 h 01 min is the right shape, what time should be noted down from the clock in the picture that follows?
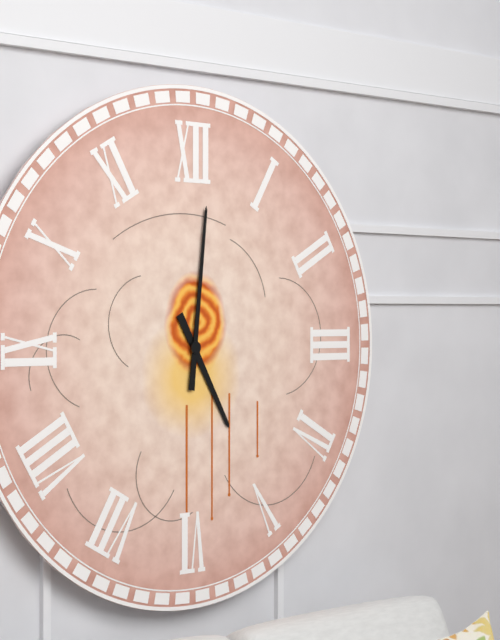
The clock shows 5 h 01 min
